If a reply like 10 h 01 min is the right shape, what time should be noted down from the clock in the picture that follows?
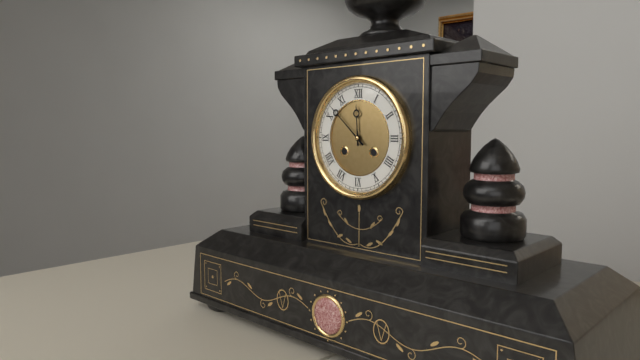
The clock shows 11 h 52 min
